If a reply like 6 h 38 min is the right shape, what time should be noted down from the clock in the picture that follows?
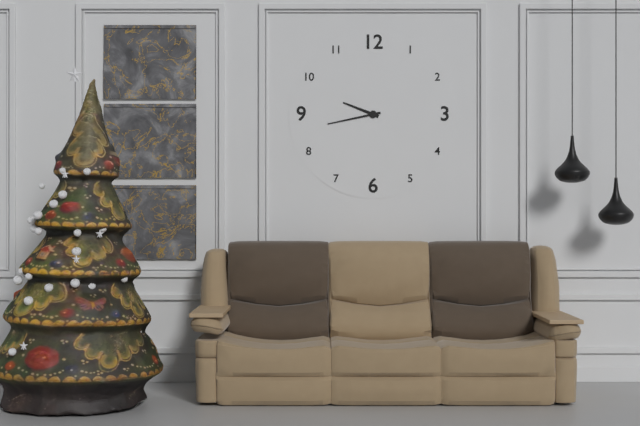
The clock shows 9 h 43 min
